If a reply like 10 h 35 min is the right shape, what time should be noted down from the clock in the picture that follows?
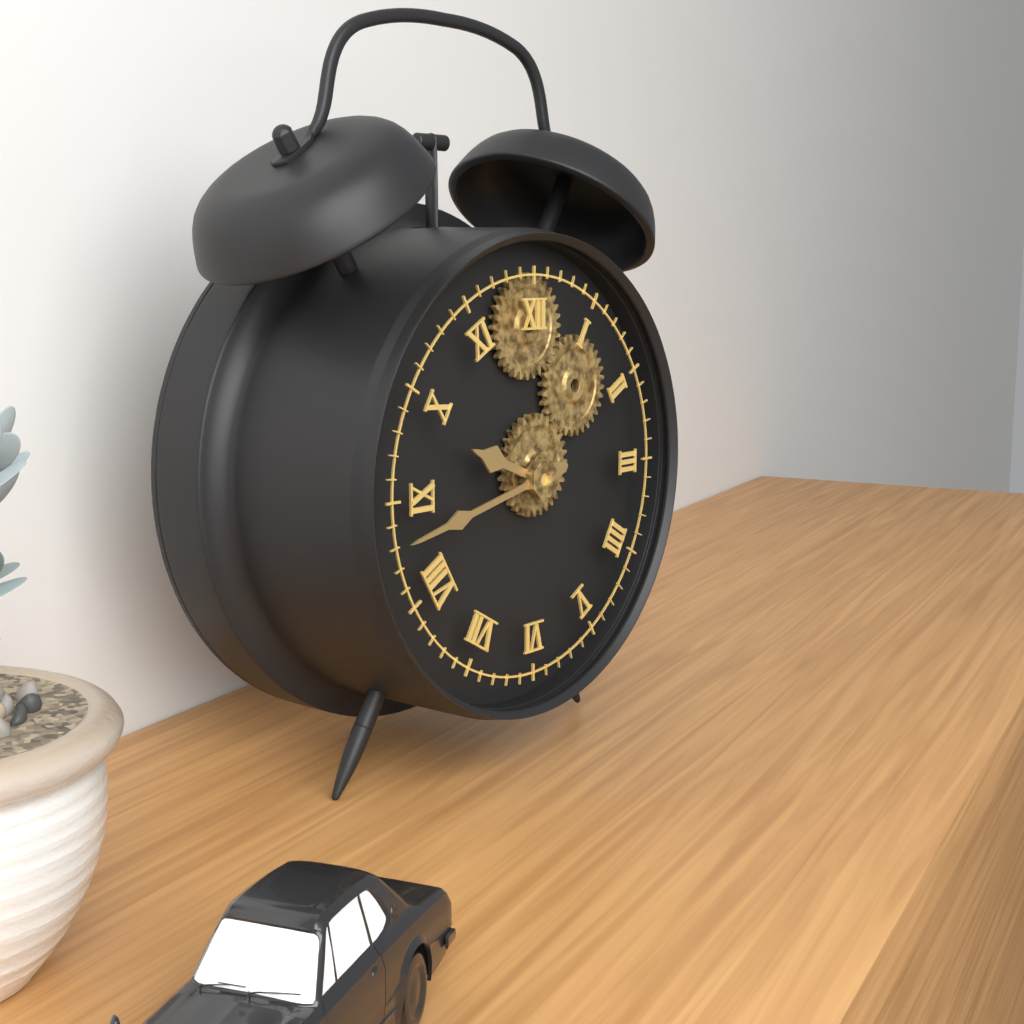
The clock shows 9 h 43 min
